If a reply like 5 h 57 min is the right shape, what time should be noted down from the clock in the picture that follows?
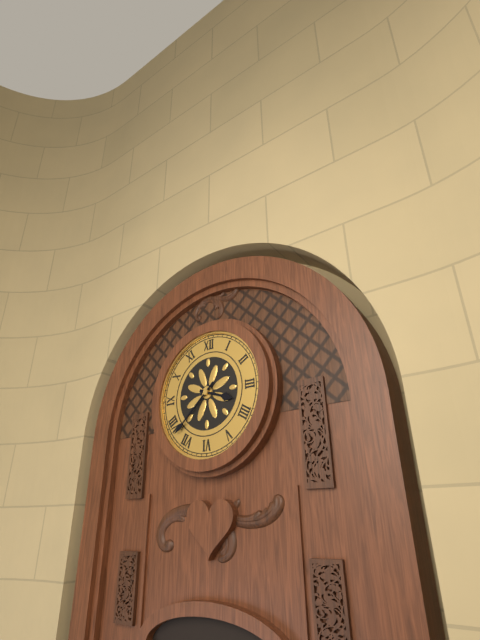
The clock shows 3 h 38 min
